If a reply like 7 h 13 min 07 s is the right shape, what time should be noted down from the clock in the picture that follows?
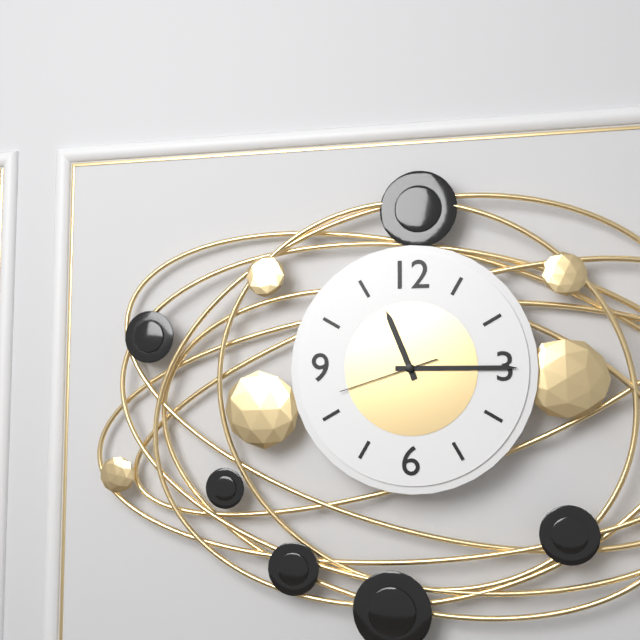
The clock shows 11 h 15 min 42 s
